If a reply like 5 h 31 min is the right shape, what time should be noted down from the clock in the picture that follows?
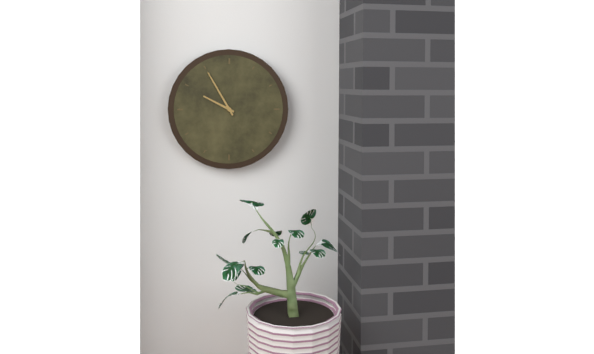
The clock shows 9 h 55 min
